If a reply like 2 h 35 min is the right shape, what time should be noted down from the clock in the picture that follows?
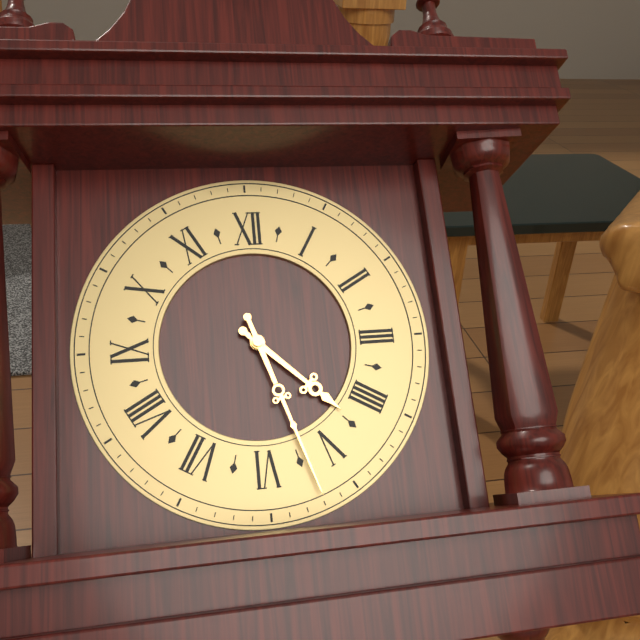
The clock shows 4 h 27 min
